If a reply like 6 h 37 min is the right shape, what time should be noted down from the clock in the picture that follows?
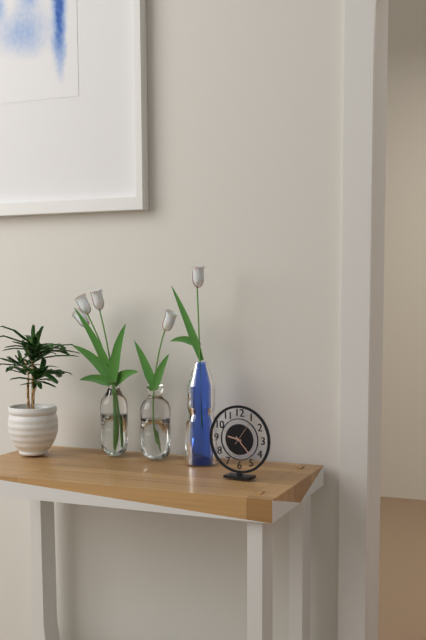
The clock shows 9 h 23 min
